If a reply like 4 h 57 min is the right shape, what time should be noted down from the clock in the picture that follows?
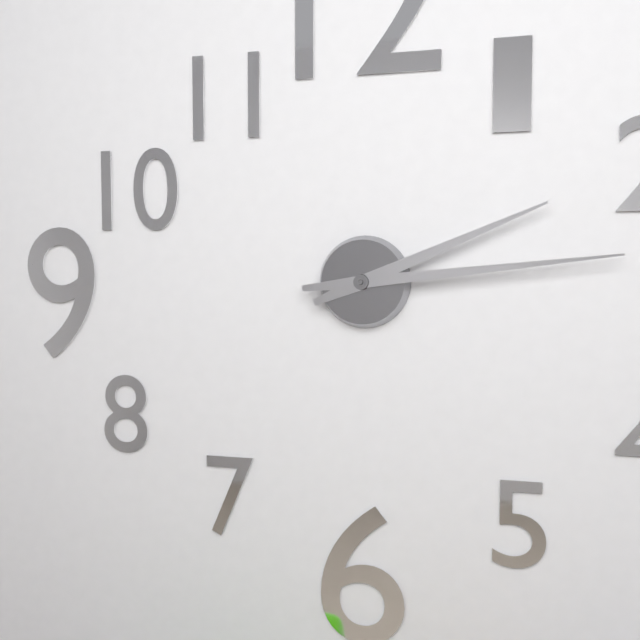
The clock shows 2 h 14 min
